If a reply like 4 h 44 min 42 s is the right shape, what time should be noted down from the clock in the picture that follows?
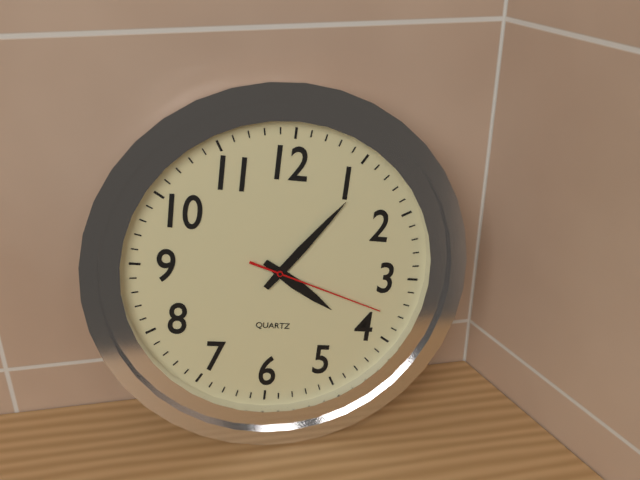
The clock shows 4 h 06 min 18 s
